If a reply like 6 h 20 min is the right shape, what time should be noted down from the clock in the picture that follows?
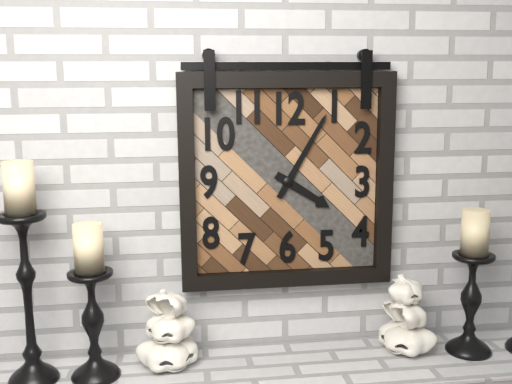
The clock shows 4 h 05 min
